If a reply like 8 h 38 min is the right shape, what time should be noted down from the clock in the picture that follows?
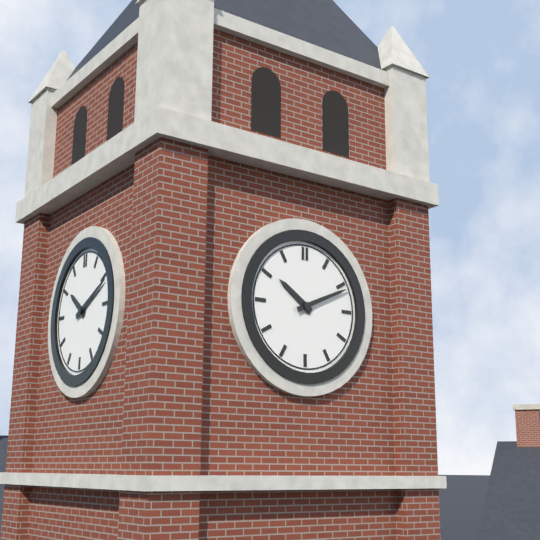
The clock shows 10 h 11 min
